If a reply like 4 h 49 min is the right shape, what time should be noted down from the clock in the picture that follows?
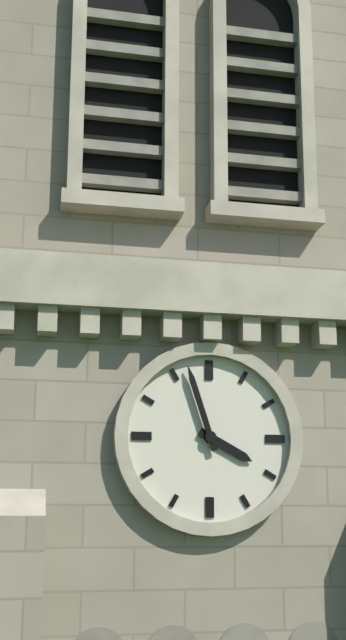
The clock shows 3 h 57 min
